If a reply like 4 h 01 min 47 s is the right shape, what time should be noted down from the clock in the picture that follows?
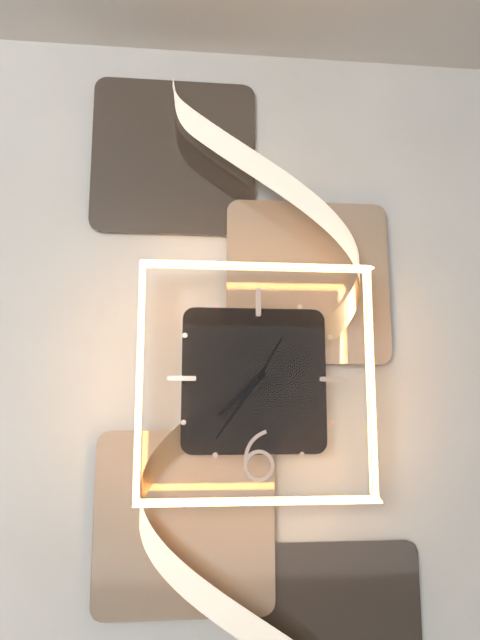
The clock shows 7 h 36 min 05 s
